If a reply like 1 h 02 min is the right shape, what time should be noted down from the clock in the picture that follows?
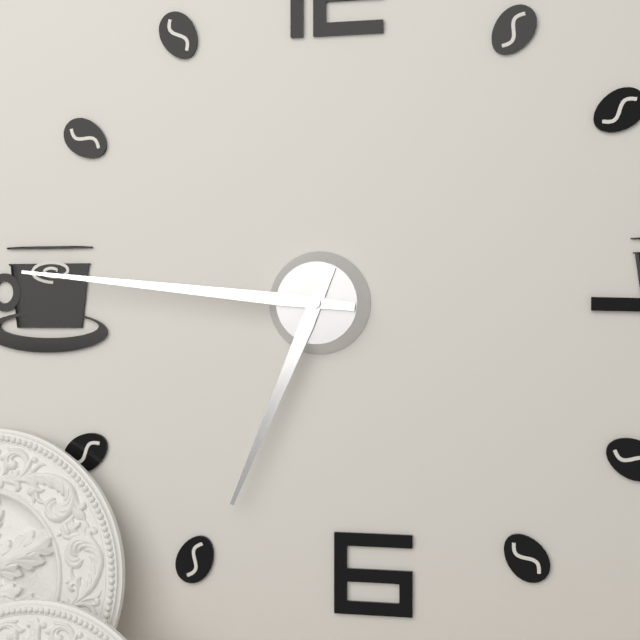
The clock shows 6 h 46 min
